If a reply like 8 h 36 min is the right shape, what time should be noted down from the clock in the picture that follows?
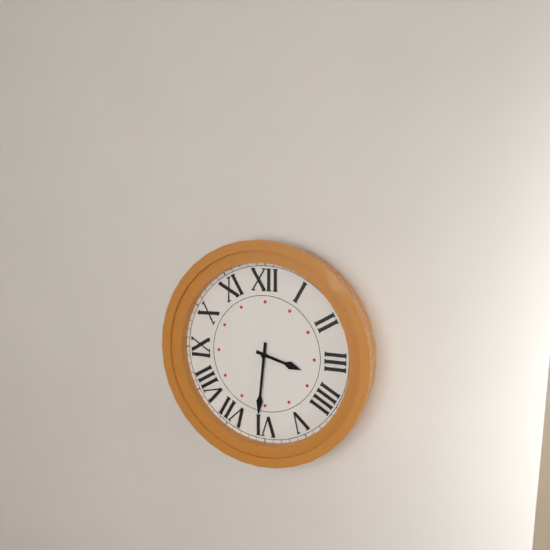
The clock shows 3 h 31 min
